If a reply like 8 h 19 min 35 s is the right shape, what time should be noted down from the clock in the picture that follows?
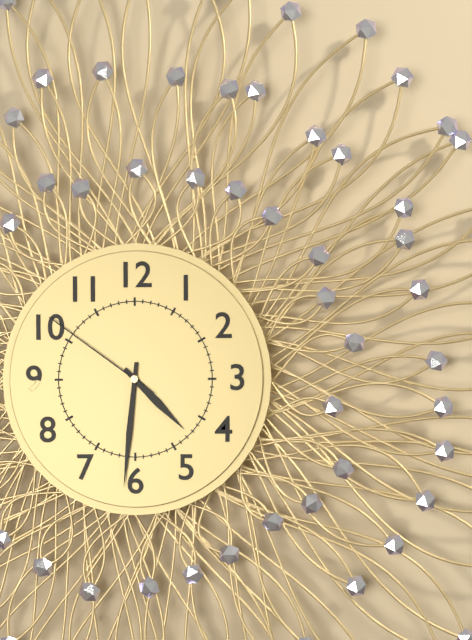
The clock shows 4 h 31 min 51 s
